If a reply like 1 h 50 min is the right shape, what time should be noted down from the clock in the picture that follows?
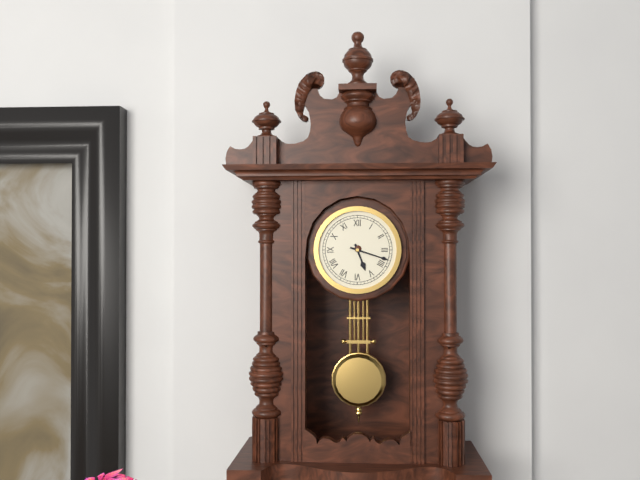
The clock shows 5 h 18 min
